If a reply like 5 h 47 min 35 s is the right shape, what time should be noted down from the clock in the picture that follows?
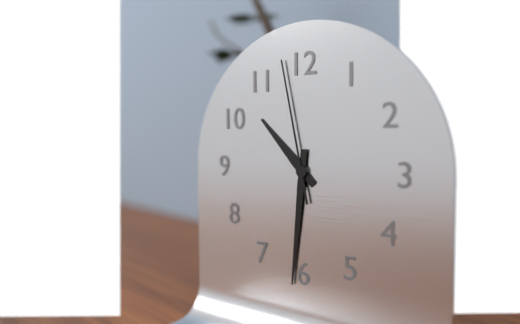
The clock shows 10 h 31 min 58 s
